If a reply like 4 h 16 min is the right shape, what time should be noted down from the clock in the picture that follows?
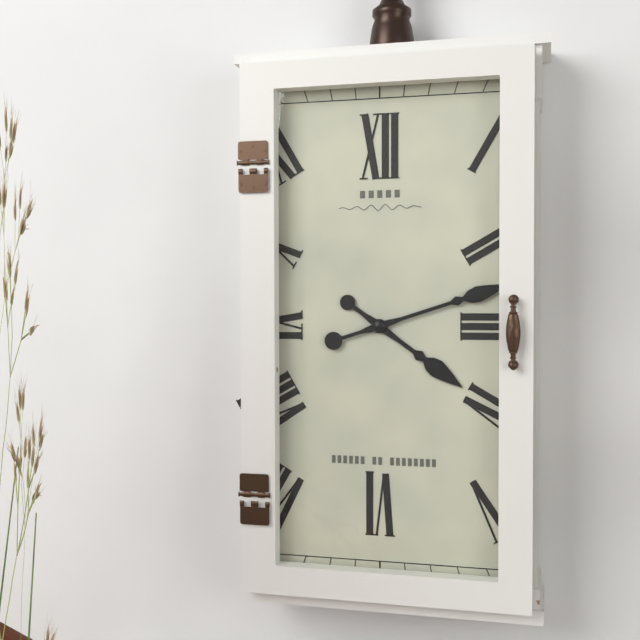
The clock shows 4 h 12 min
